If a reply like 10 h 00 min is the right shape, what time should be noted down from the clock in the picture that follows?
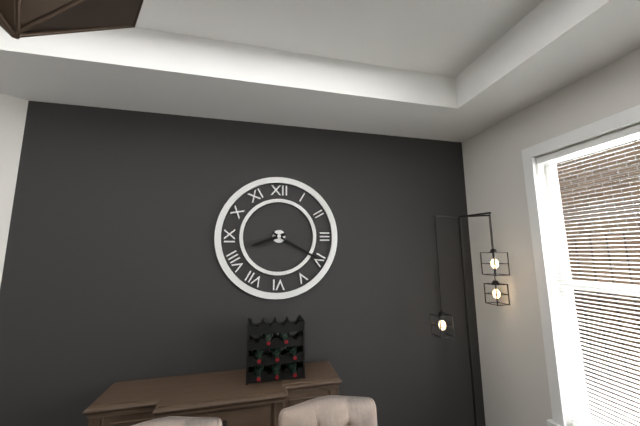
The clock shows 8 h 20 min
